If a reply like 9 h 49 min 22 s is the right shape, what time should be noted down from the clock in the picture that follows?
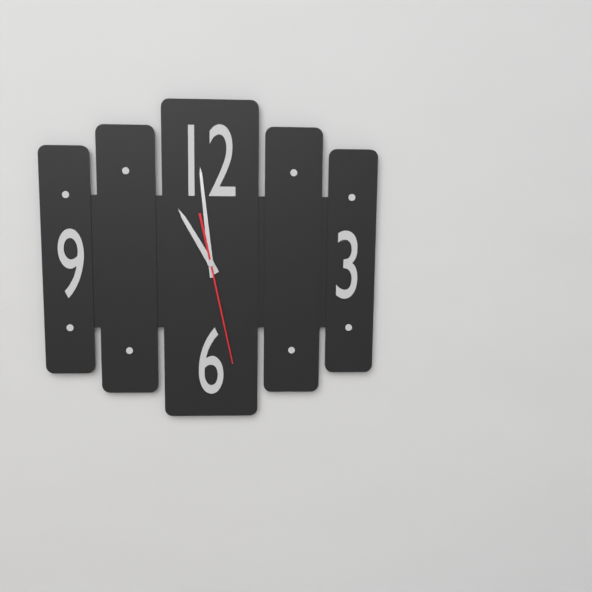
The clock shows 10 h 59 min 28 s
